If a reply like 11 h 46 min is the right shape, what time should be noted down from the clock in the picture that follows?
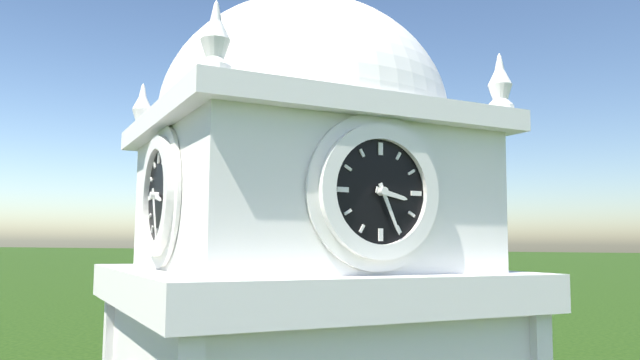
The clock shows 3 h 26 min
